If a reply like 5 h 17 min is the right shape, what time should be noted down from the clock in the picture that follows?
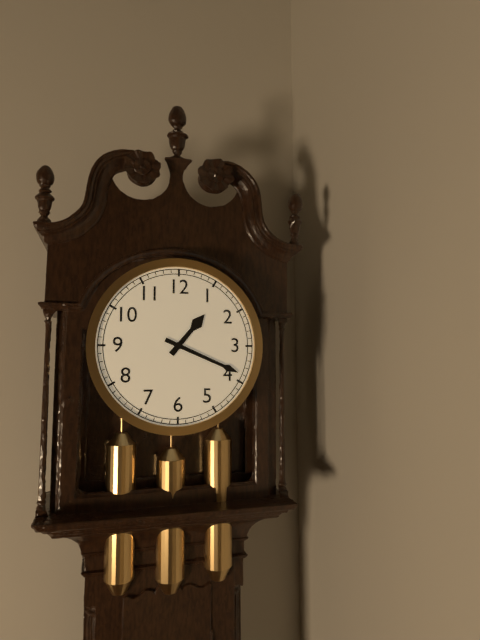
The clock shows 1 h 19 min
